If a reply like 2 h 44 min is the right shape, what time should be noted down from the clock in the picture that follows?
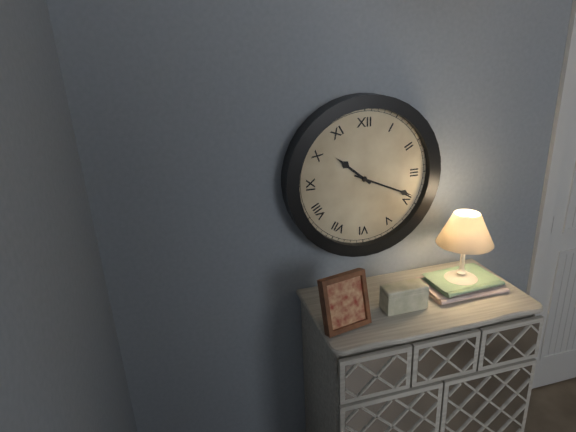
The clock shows 10 h 19 min
